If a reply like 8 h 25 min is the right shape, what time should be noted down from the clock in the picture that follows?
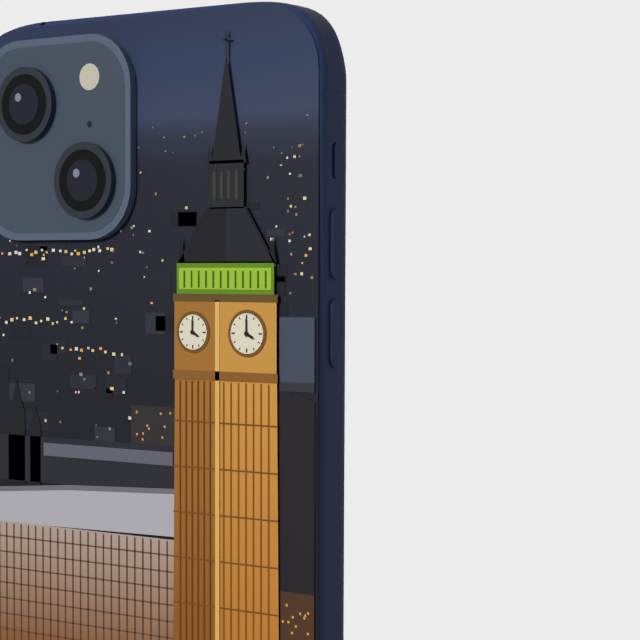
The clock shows 4 h 00 min
